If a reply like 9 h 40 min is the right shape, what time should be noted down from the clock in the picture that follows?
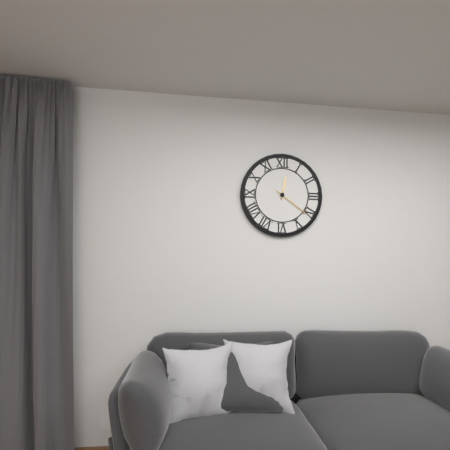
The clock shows 12 h 21 min
